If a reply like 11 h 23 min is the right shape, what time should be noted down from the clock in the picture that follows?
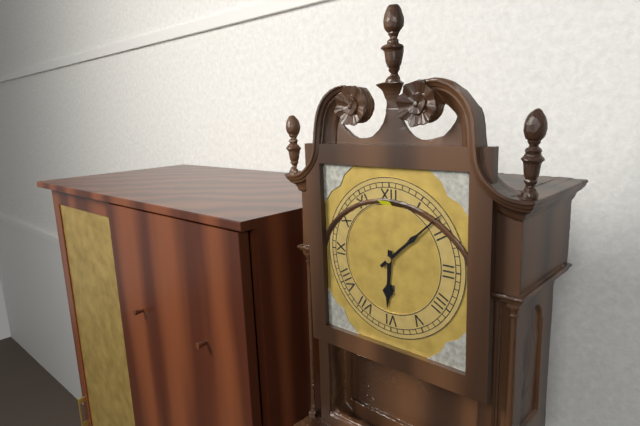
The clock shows 6 h 08 min
